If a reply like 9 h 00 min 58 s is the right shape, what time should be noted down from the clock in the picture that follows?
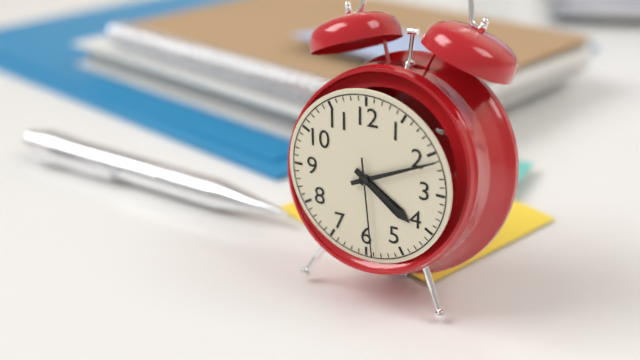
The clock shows 4 h 11 min 29 s
